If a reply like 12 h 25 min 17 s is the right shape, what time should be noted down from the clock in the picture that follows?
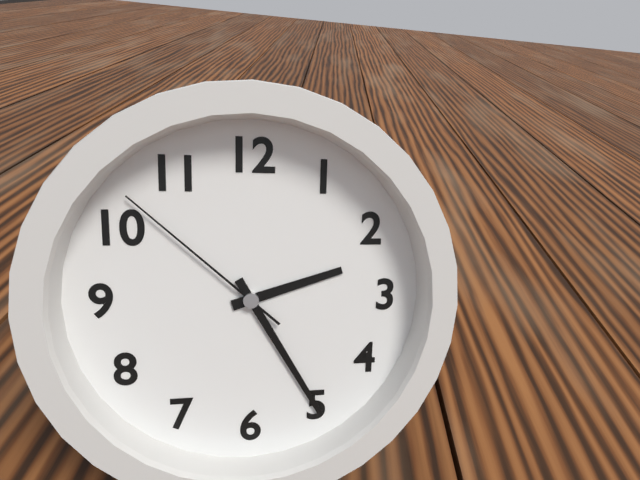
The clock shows 2 h 25 min 52 s
